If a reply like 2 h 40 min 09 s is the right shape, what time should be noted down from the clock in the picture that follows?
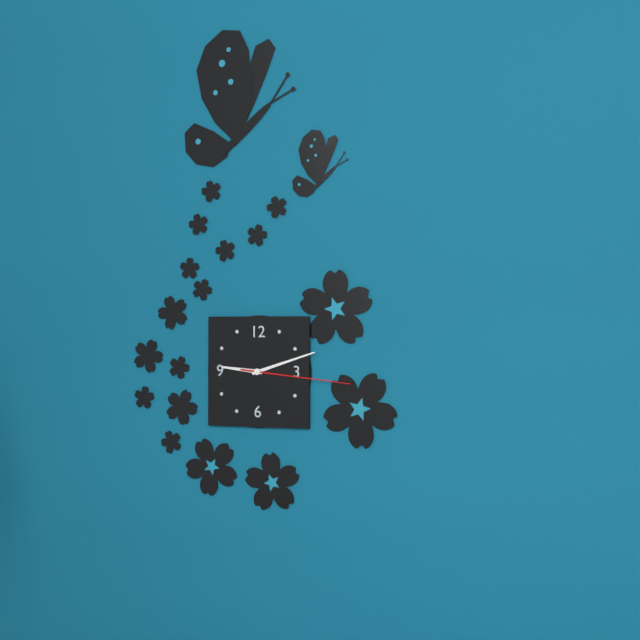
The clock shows 9 h 12 min 16 s
